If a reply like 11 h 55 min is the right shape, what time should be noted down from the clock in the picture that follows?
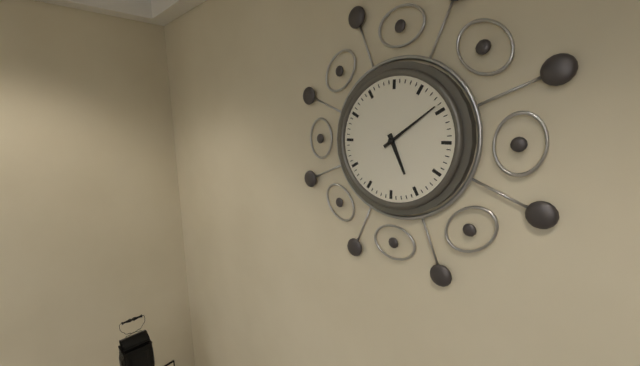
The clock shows 5 h 09 min
